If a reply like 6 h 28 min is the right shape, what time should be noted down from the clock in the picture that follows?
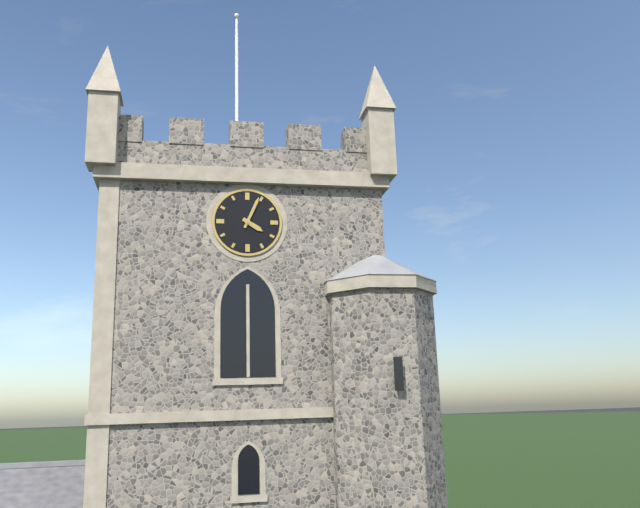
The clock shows 4 h 04 min
